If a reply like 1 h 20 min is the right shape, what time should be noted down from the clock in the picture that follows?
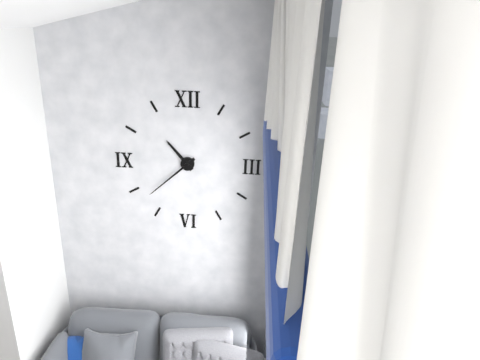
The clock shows 10 h 38 min
